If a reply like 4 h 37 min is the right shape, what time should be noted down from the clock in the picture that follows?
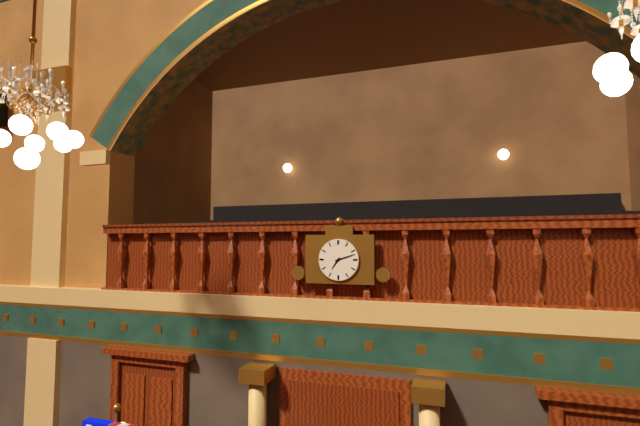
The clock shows 7 h 12 min
